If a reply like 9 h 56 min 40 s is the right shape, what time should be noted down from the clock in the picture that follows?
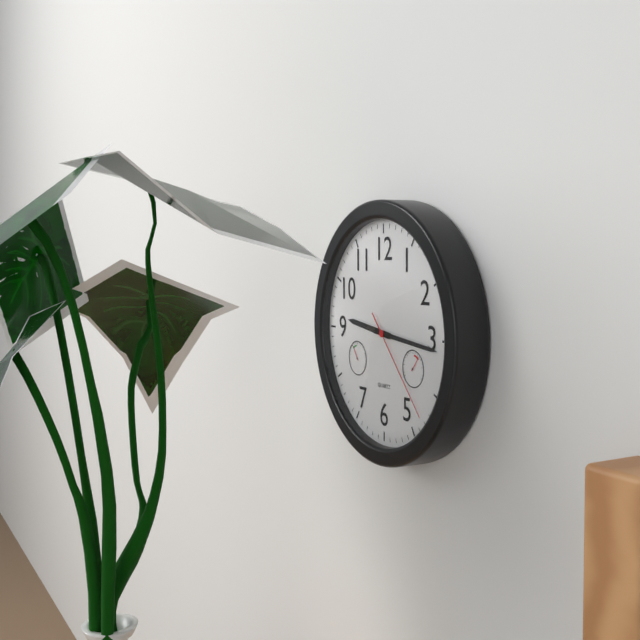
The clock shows 9 h 16 min 23 s
